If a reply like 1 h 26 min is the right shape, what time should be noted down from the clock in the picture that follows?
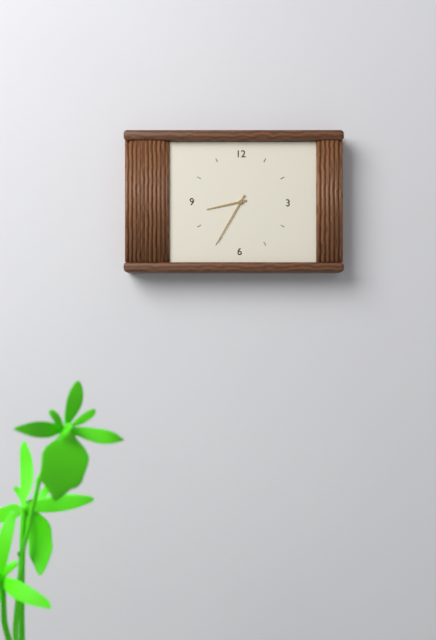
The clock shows 8 h 35 min
